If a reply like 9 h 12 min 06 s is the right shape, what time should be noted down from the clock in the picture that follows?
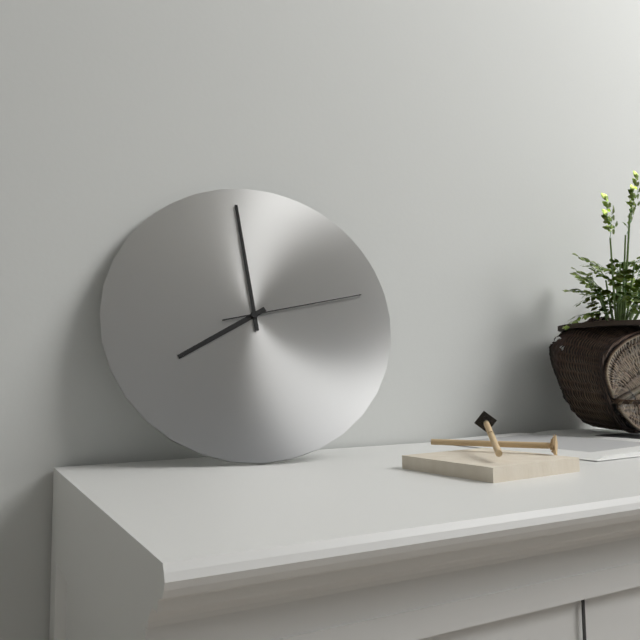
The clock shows 7 h 59 min 13 s
